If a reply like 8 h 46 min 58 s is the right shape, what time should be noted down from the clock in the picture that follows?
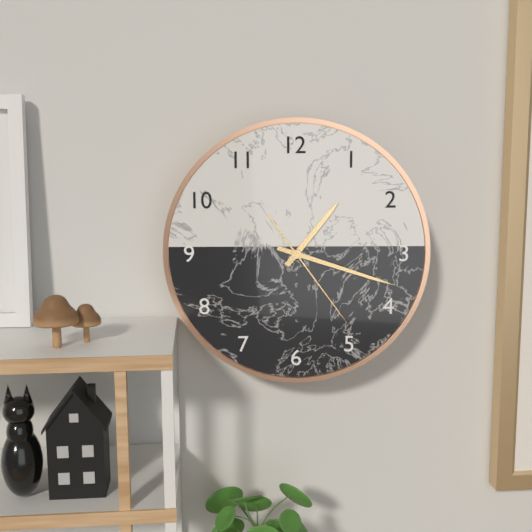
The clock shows 1 h 18 min 24 s
